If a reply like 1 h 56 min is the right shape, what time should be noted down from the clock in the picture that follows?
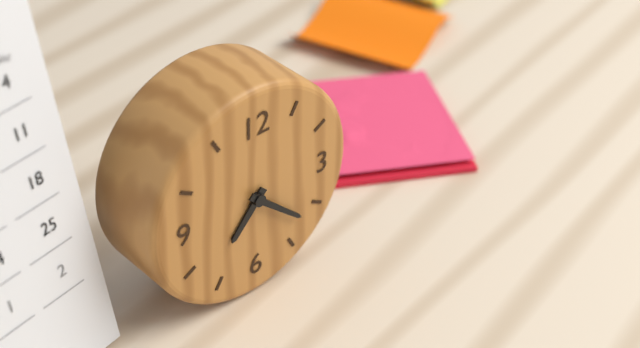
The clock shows 7 h 22 min
